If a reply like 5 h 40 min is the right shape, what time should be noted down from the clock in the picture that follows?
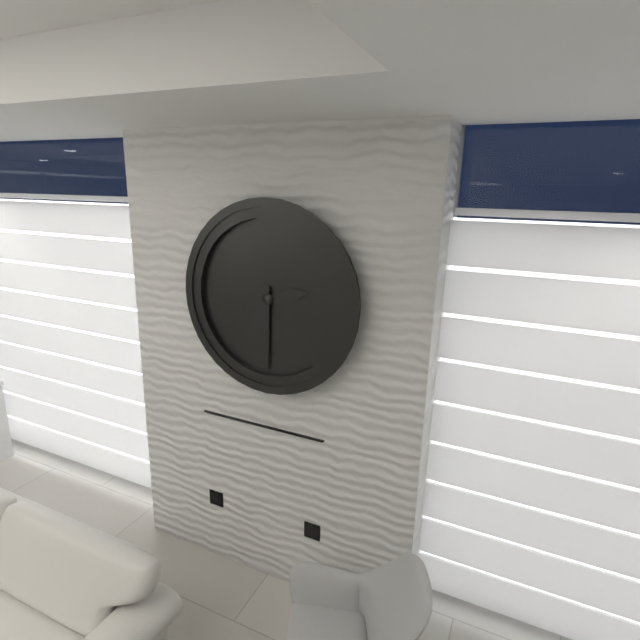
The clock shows 2 h 30 min
